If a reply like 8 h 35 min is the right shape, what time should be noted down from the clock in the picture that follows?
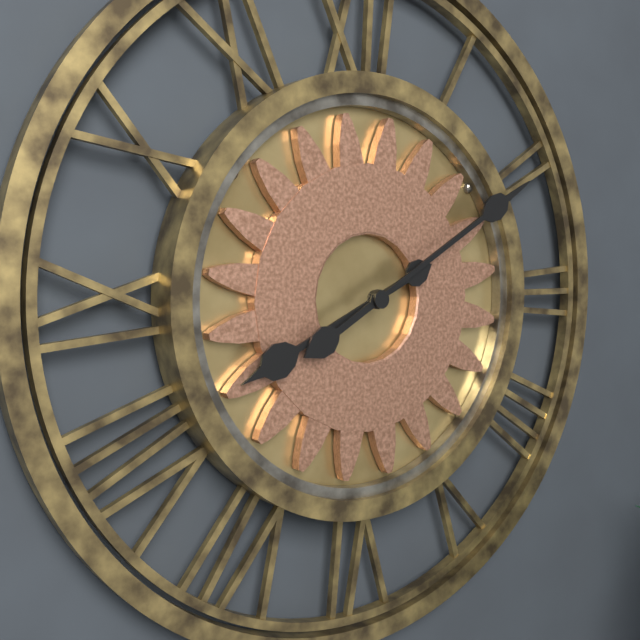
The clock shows 8 h 10 min
